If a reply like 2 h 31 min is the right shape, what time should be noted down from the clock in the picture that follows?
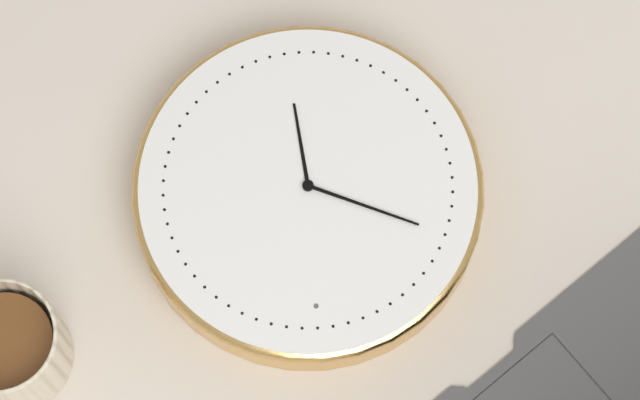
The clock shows 5 h 49 min
